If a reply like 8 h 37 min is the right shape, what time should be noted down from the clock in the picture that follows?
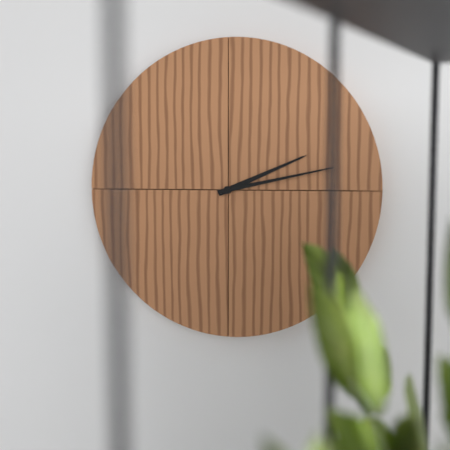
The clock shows 2 h 13 min
